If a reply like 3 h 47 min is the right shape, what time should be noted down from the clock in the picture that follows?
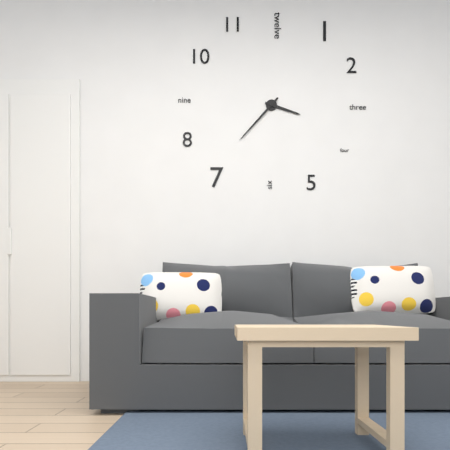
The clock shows 3 h 37 min
